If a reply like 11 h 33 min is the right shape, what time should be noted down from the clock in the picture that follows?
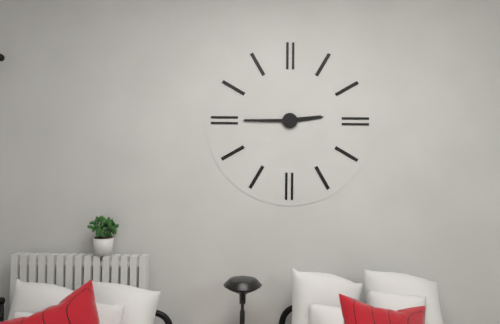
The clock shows 2 h 45 min
